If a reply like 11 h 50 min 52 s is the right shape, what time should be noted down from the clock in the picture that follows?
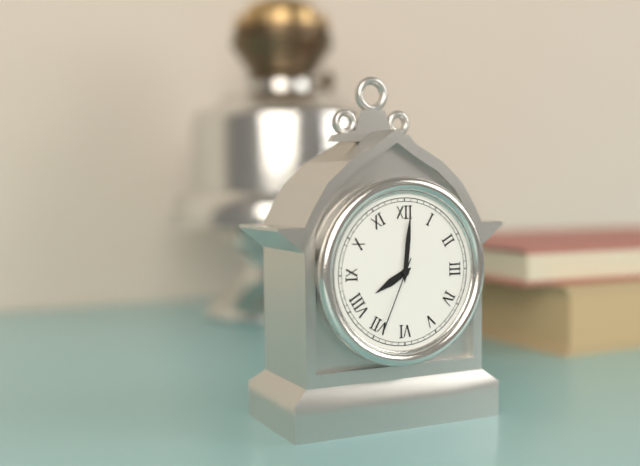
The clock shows 8 h 01 min 34 s
